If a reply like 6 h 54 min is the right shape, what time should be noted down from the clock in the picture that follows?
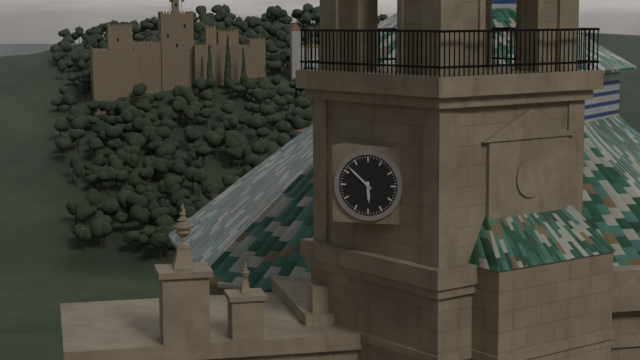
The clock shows 5 h 52 min
